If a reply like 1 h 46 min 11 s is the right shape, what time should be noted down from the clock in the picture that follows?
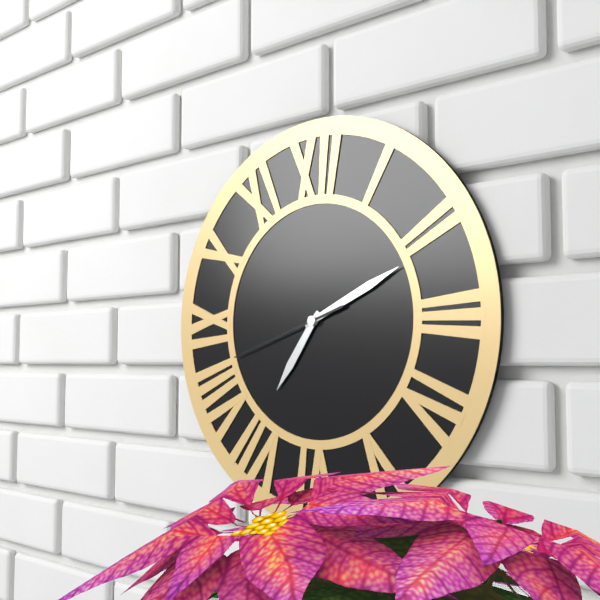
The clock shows 7 h 11 min 42 s
